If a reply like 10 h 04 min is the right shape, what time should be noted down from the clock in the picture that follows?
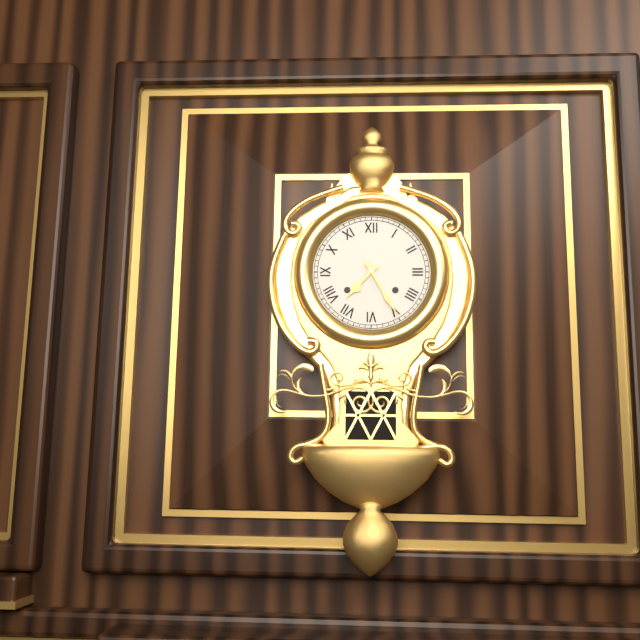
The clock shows 7 h 25 min
